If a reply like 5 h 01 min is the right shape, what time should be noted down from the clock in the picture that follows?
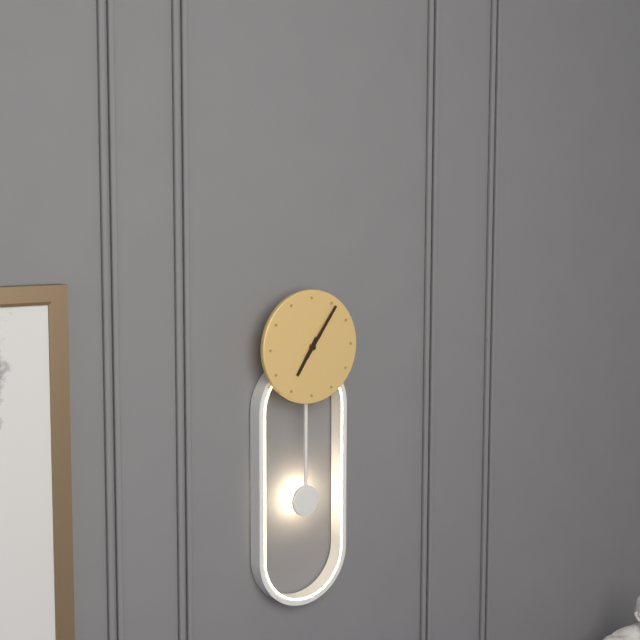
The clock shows 7 h 06 min
